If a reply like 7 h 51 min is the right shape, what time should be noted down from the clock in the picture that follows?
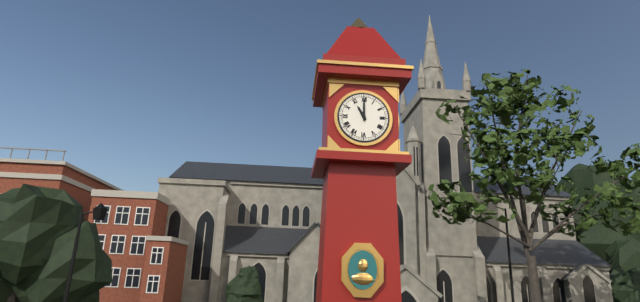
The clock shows 11 h 00 min
